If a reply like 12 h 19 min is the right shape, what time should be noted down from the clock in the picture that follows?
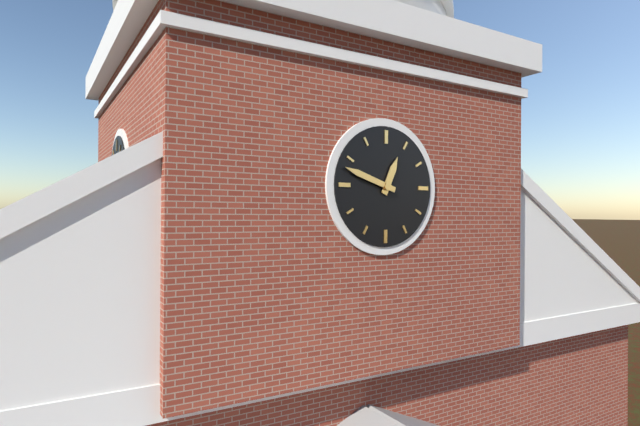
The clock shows 12 h 48 min
